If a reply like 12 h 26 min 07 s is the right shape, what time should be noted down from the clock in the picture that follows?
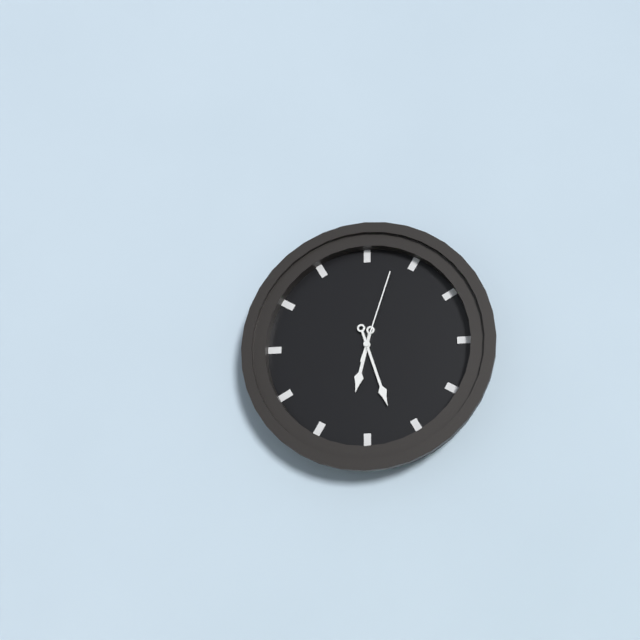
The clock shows 6 h 27 min 03 s
